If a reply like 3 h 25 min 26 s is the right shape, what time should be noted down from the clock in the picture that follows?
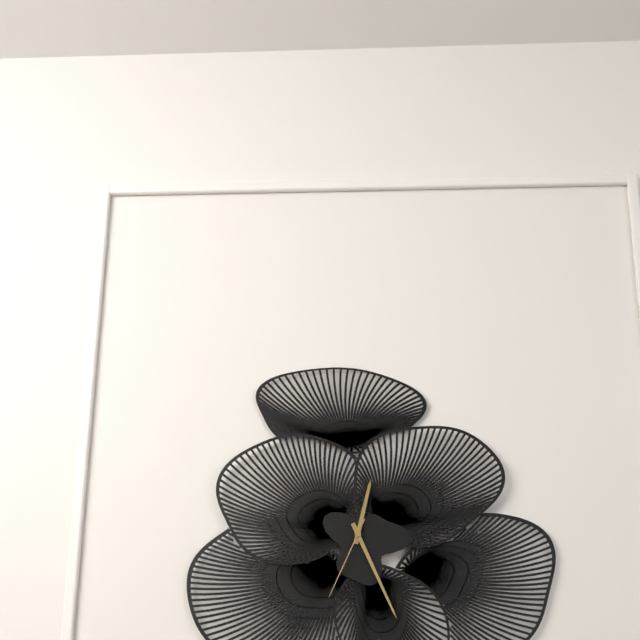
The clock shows 12 h 26 min 34 s
